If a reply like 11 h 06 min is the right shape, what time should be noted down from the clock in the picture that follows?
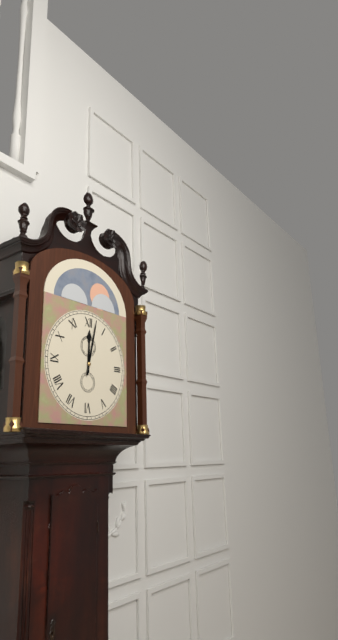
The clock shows 12 h 02 min
